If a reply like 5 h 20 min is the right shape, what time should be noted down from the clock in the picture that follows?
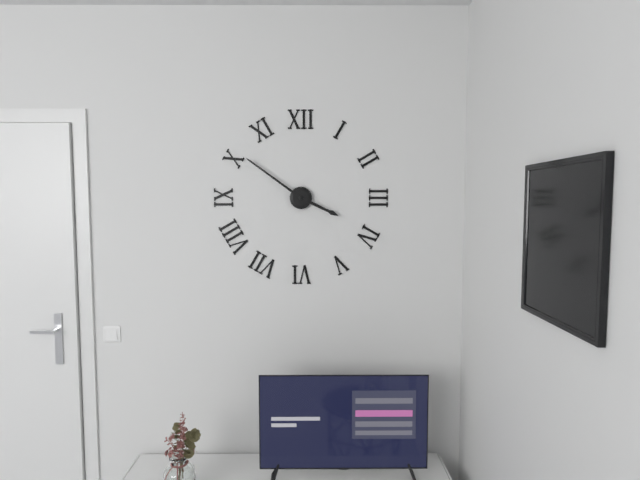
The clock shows 3 h 51 min
